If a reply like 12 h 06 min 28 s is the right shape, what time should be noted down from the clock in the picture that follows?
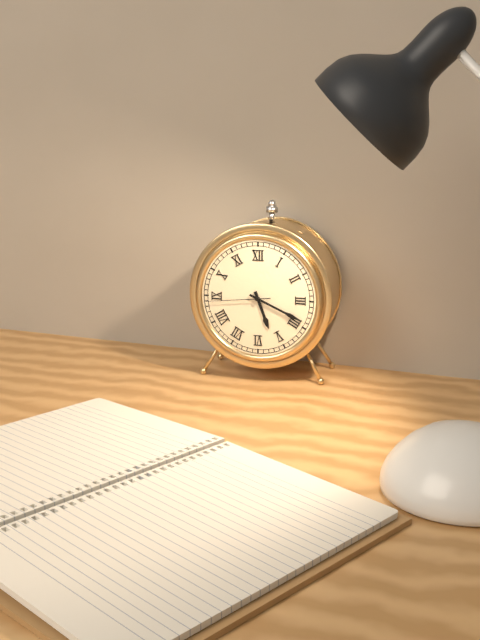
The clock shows 5 h 19 min 44 s
